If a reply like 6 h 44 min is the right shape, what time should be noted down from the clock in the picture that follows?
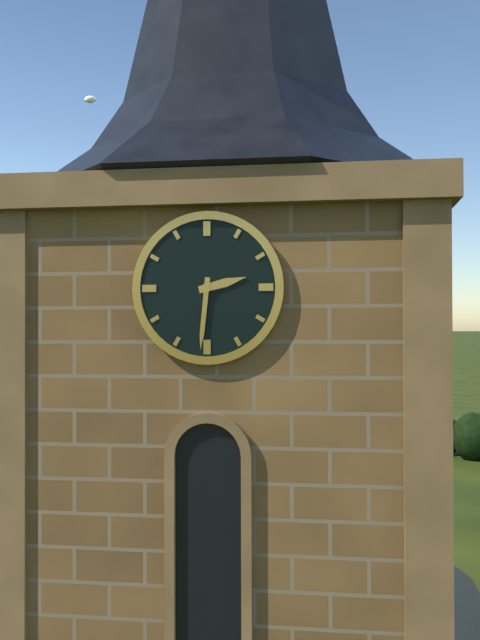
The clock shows 2 h 31 min
